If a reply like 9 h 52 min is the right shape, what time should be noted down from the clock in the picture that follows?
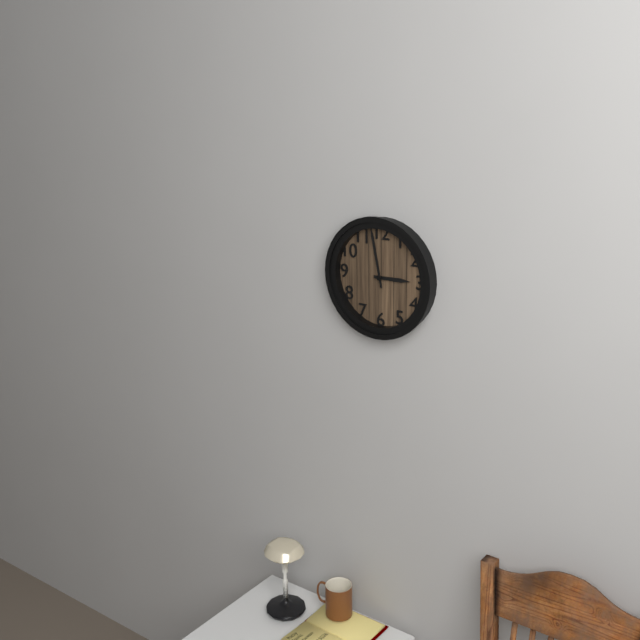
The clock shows 2 h 58 min
